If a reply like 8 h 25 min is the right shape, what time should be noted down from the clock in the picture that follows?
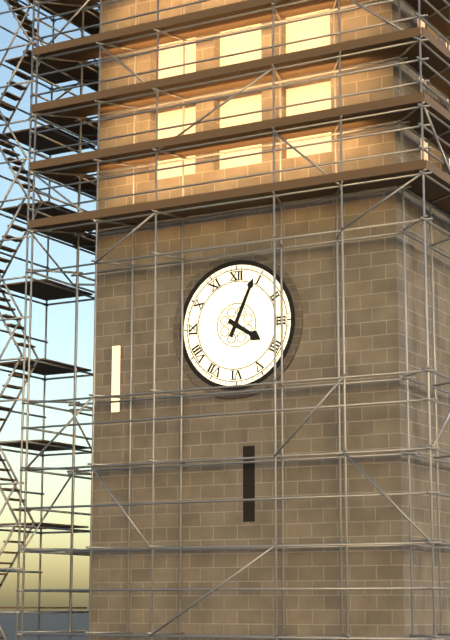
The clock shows 4 h 04 min
